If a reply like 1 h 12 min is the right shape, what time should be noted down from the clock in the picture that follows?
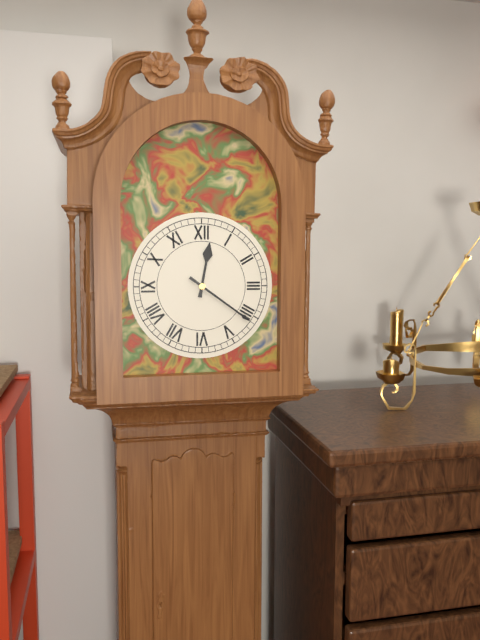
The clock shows 12 h 21 min
